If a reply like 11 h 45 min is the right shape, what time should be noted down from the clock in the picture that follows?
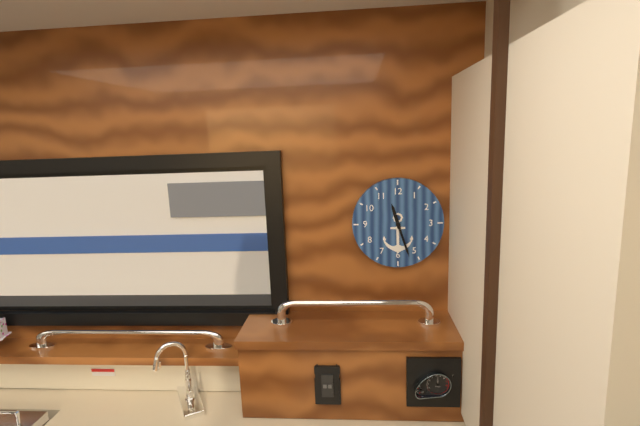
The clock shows 11 h 27 min
